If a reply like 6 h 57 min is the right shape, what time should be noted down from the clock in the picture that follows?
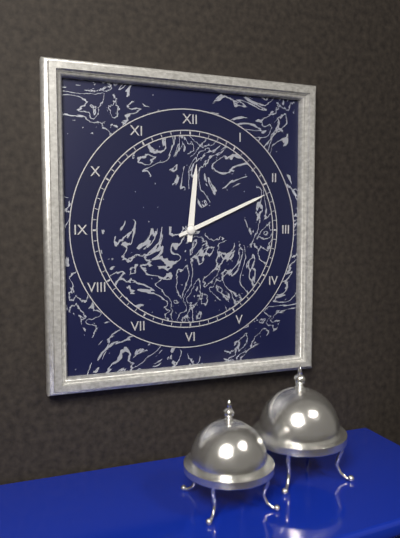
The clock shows 12 h 11 min
